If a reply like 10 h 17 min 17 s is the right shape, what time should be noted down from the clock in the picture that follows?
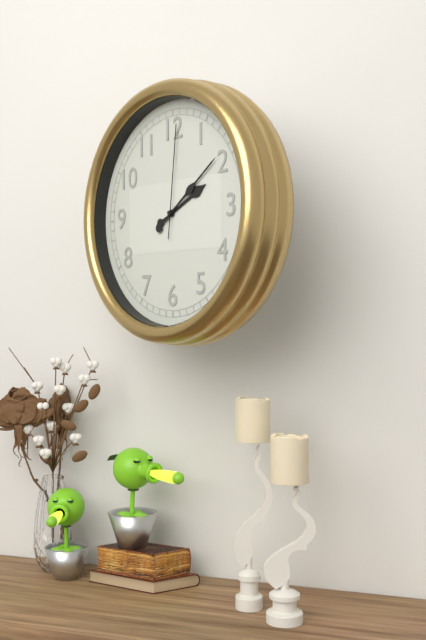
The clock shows 2 h 09 min 01 s
